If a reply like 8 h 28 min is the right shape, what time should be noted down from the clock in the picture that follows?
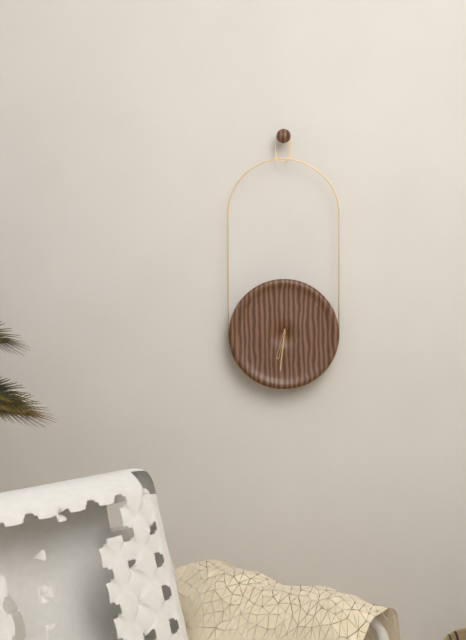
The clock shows 6 h 31 min
